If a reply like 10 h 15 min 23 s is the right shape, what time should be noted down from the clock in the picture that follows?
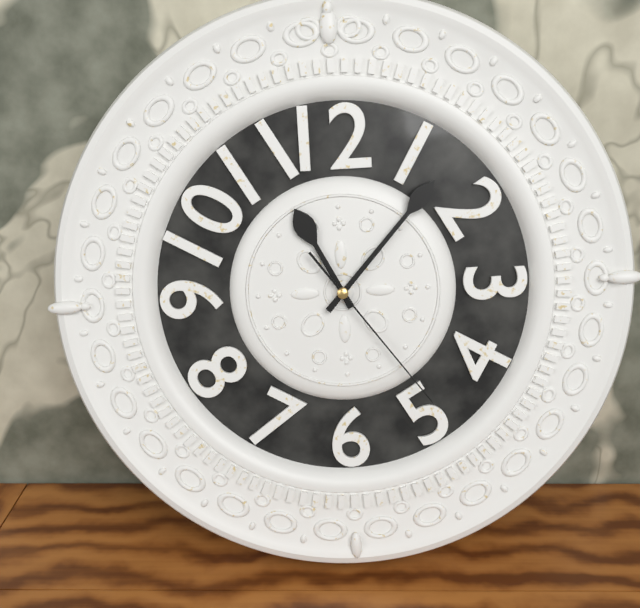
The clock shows 11 h 07 min 24 s
